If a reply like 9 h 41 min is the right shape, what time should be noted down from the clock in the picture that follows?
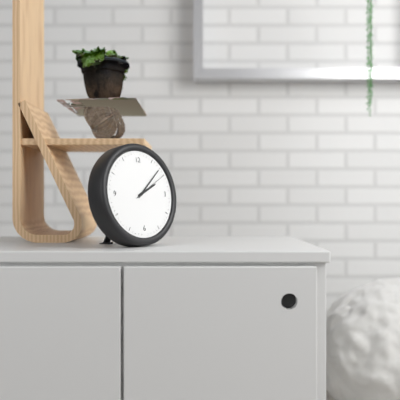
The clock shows 2 h 08 min
